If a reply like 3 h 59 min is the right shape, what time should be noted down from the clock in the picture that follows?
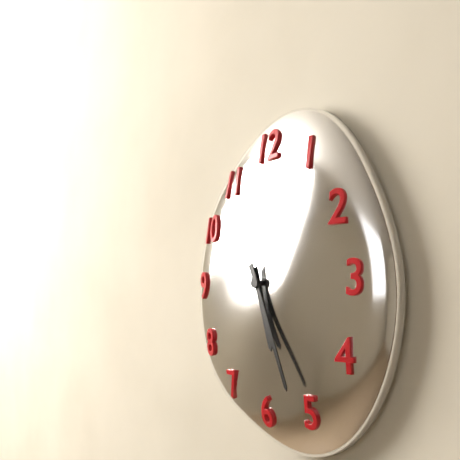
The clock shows 5 h 26 min
